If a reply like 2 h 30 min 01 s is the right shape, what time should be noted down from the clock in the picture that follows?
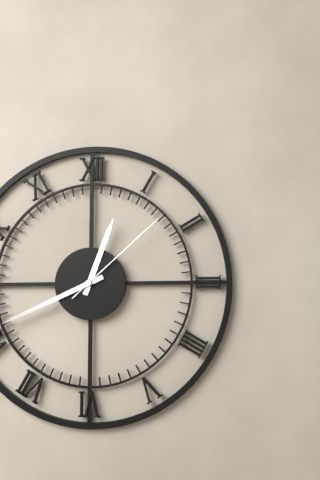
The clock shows 12 h 41 min 08 s
